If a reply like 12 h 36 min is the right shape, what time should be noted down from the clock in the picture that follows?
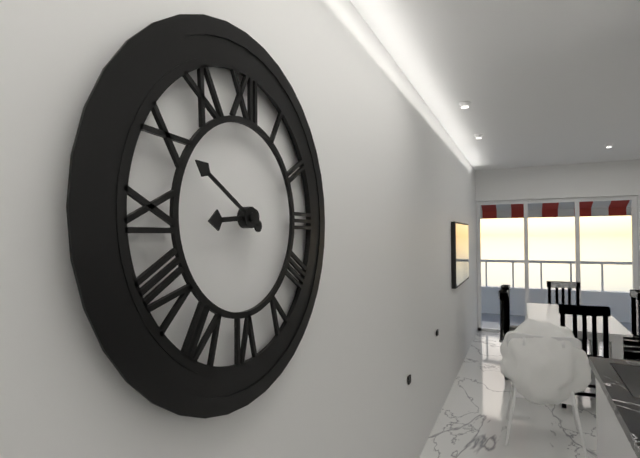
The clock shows 8 h 50 min
